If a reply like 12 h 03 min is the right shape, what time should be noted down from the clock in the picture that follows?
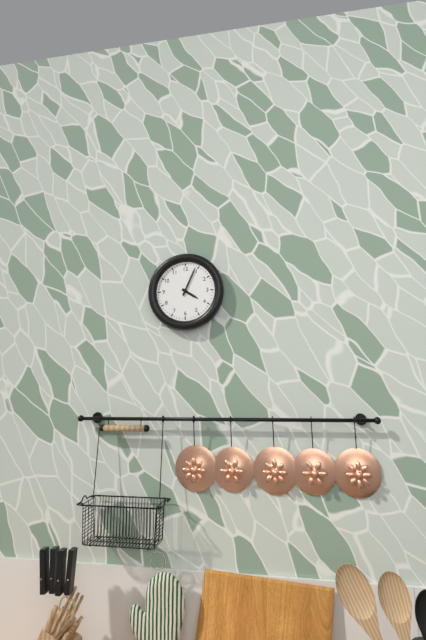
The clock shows 4 h 04 min
